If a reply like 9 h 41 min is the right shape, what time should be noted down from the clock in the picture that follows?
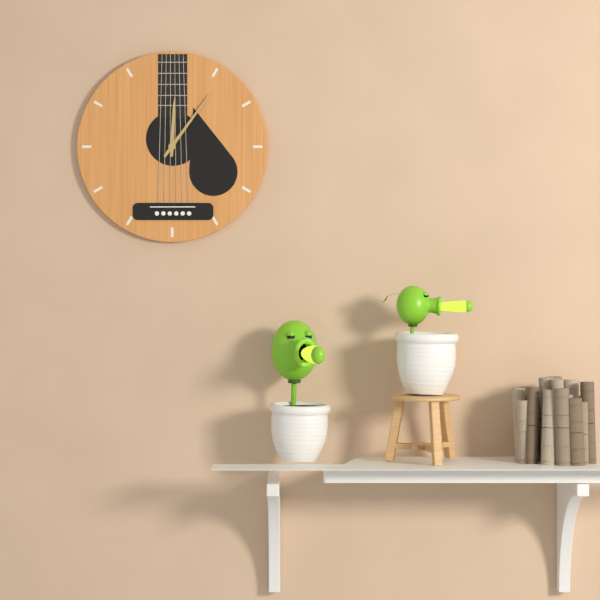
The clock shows 12 h 06 min
